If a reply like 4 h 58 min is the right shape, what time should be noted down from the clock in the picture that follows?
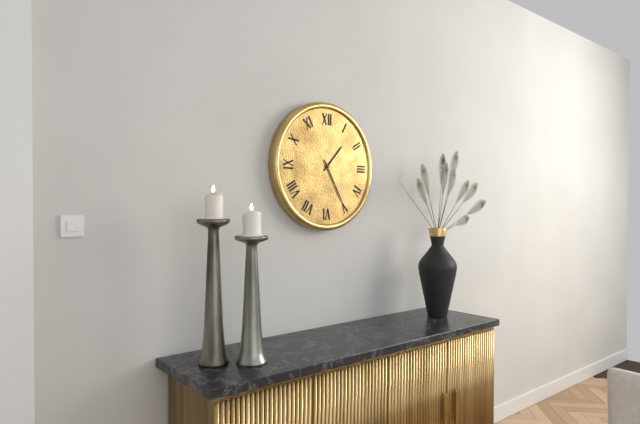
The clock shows 1 h 25 min
